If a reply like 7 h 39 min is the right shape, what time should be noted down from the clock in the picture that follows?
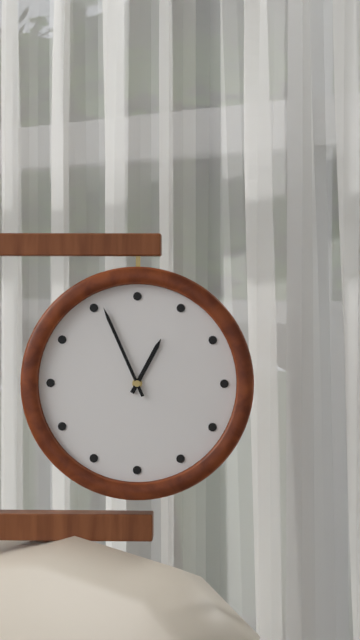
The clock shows 12 h 56 min
